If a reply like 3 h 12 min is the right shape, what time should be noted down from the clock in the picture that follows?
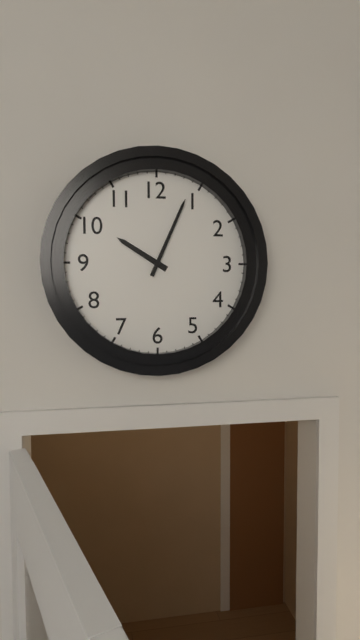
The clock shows 10 h 04 min
